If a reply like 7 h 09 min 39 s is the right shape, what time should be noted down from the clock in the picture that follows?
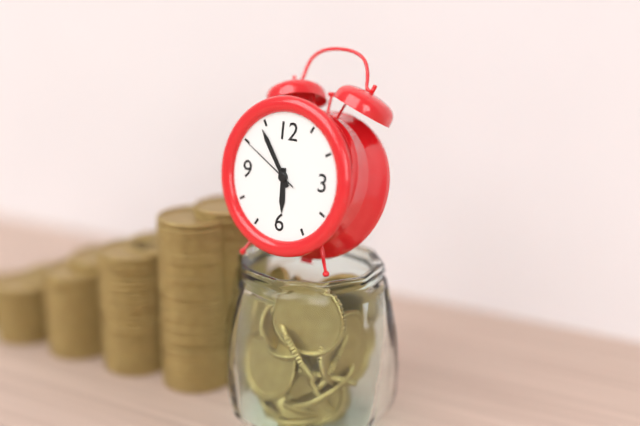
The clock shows 5 h 54 min 50 s
